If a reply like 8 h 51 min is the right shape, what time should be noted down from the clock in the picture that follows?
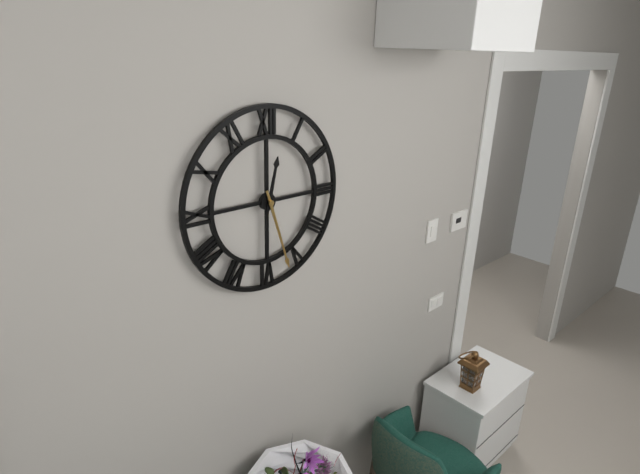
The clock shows 12 h 27 min
